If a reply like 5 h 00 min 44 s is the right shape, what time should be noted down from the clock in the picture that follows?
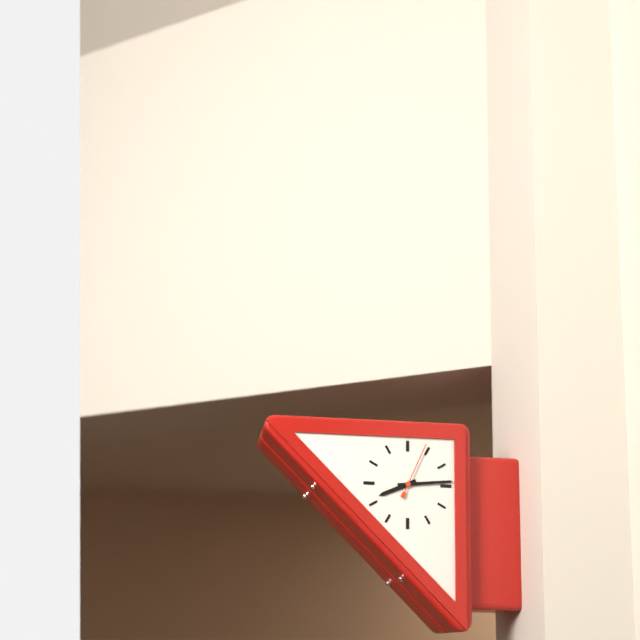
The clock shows 8 h 14 min 04 s
